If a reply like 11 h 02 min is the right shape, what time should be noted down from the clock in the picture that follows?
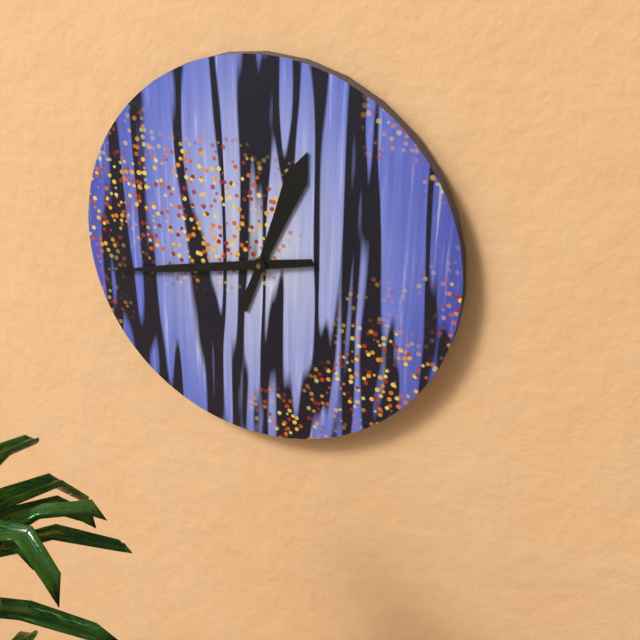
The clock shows 12 h 43 min
